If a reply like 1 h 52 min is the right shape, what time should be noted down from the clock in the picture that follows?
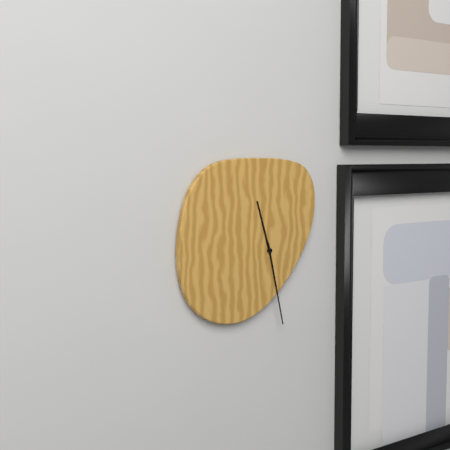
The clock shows 11 h 28 min
